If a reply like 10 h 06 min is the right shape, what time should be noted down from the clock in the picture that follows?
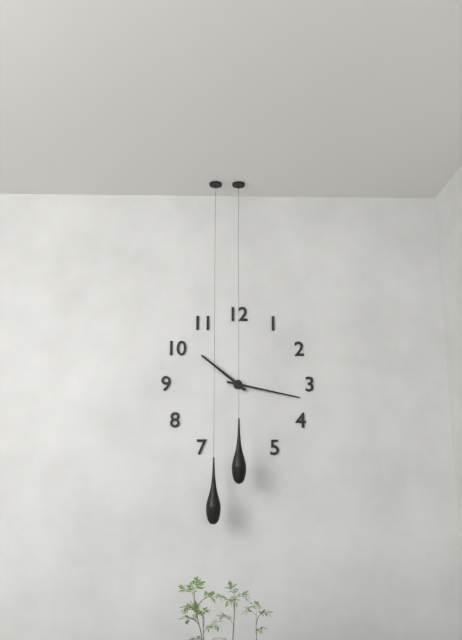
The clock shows 10 h 17 min
